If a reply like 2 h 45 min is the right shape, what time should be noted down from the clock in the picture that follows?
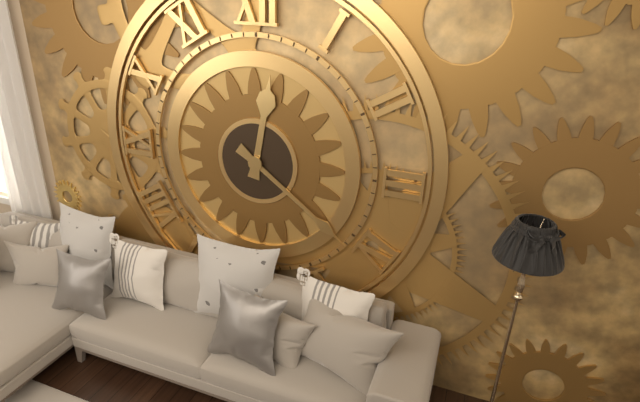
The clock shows 12 h 21 min
